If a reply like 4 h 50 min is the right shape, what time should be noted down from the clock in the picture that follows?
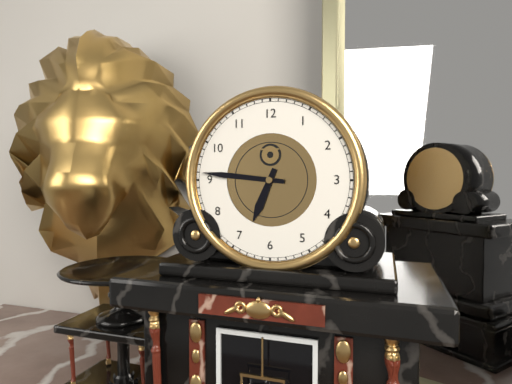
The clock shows 6 h 46 min
